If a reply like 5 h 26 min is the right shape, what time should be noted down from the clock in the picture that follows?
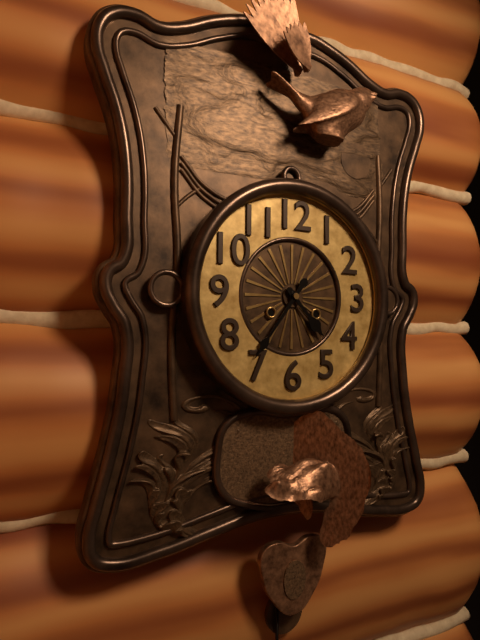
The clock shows 4 h 36 min
